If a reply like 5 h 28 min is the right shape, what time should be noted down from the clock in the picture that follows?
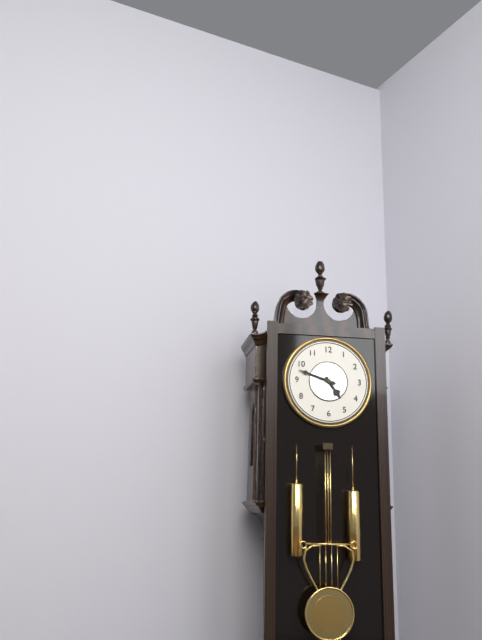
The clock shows 4 h 48 min
